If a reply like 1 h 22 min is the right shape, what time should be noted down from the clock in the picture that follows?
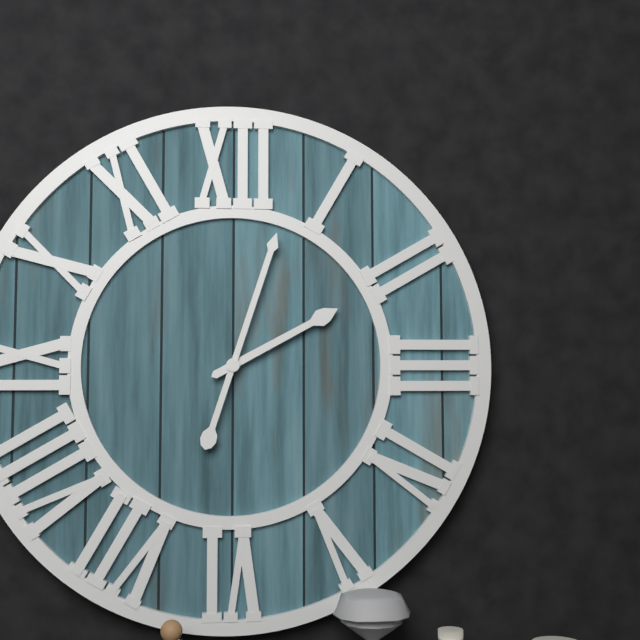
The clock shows 2 h 03 min
